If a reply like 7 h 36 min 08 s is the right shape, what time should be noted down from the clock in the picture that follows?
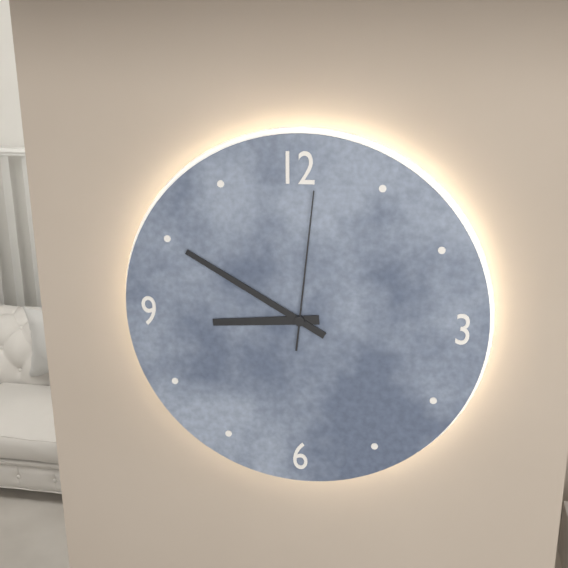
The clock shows 8 h 50 min 01 s
